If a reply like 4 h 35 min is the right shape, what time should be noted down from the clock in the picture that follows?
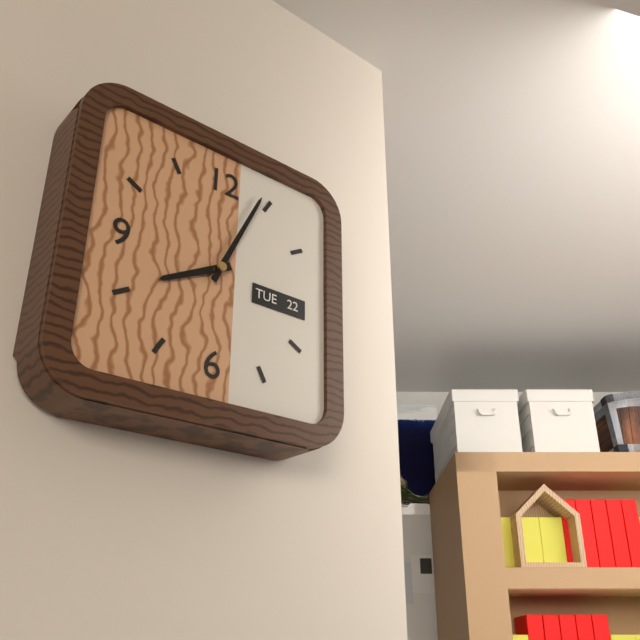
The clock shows 8 h 04 min
